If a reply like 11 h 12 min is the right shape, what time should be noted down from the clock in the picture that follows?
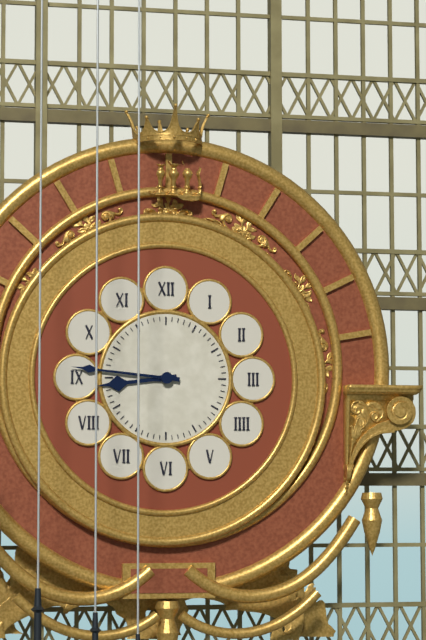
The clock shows 8 h 46 min
